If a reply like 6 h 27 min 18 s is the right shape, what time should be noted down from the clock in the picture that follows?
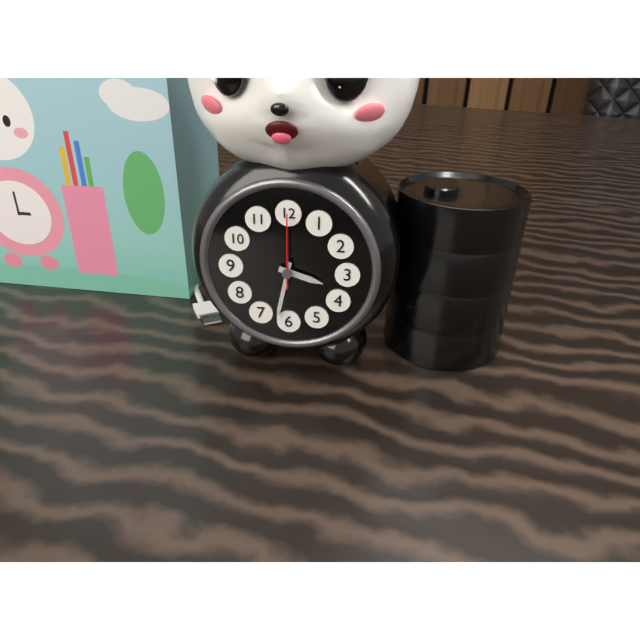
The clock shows 3 h 32 min 00 s
